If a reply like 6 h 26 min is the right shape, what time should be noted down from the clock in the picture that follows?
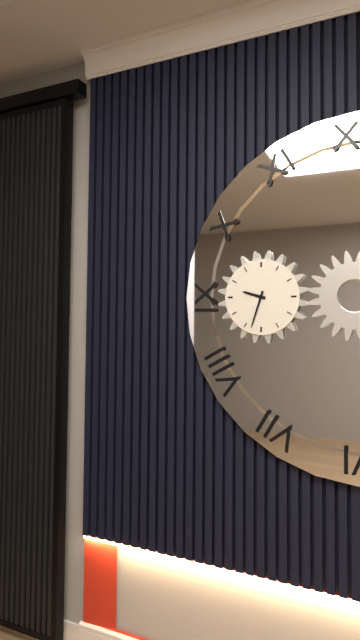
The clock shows 9 h 33 min
